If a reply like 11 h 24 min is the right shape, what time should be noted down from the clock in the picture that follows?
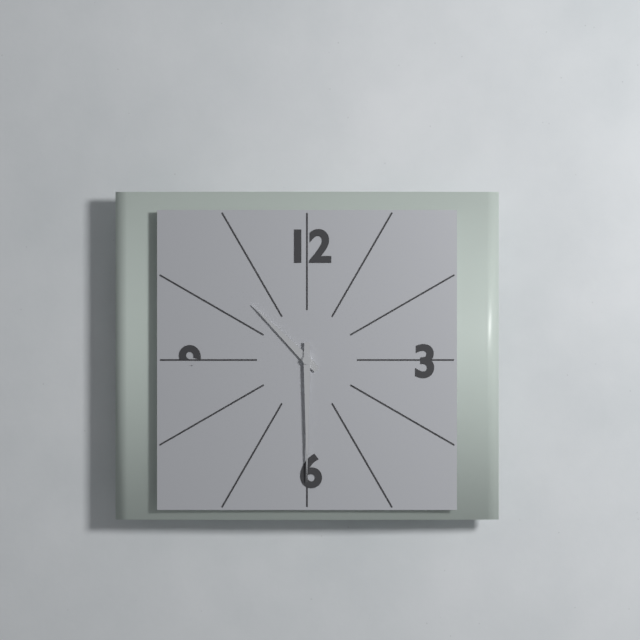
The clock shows 10 h 30 min
